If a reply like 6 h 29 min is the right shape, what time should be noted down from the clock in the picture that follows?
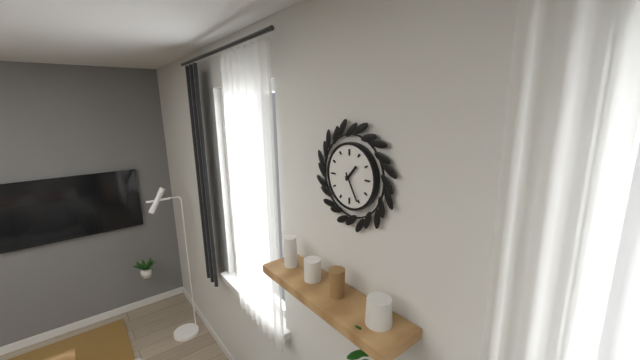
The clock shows 1 h 25 min
